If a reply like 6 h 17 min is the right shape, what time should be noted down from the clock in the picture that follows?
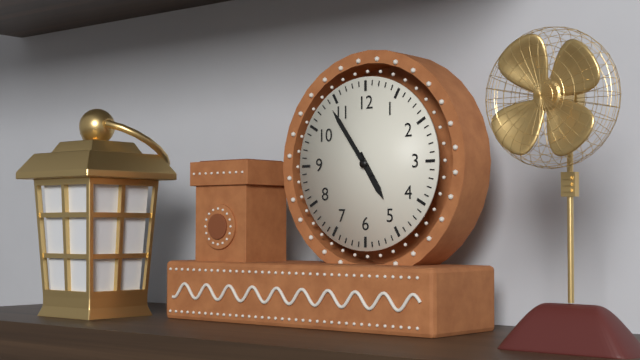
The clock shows 4 h 54 min
